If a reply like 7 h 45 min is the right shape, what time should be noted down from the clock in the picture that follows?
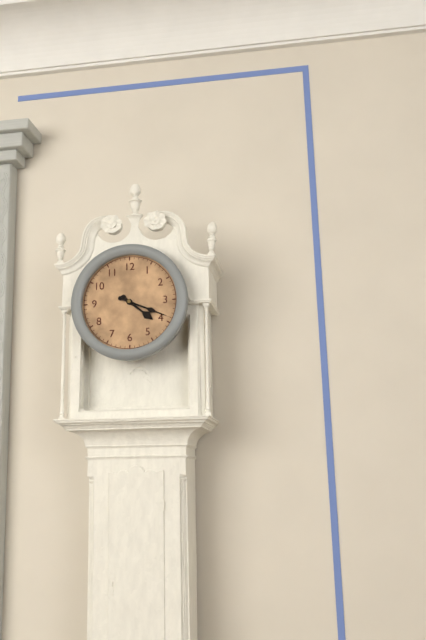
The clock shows 4 h 19 min
